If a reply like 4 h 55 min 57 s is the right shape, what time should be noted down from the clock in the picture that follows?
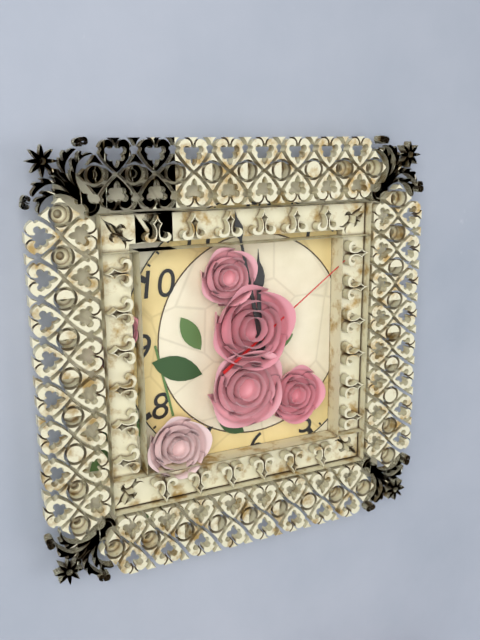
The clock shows 11 h 58 min 09 s
